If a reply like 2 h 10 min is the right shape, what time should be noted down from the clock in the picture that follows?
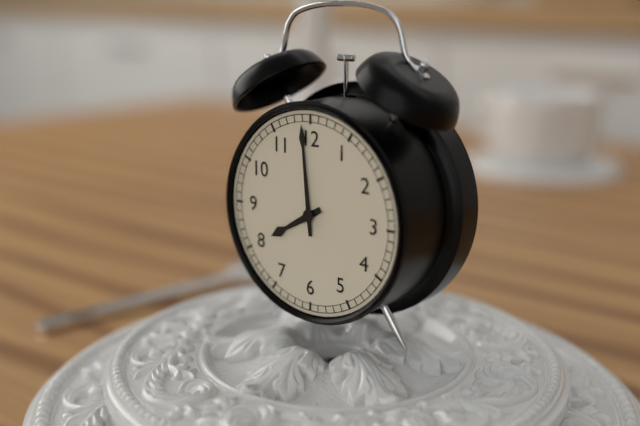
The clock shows 7 h 59 min
